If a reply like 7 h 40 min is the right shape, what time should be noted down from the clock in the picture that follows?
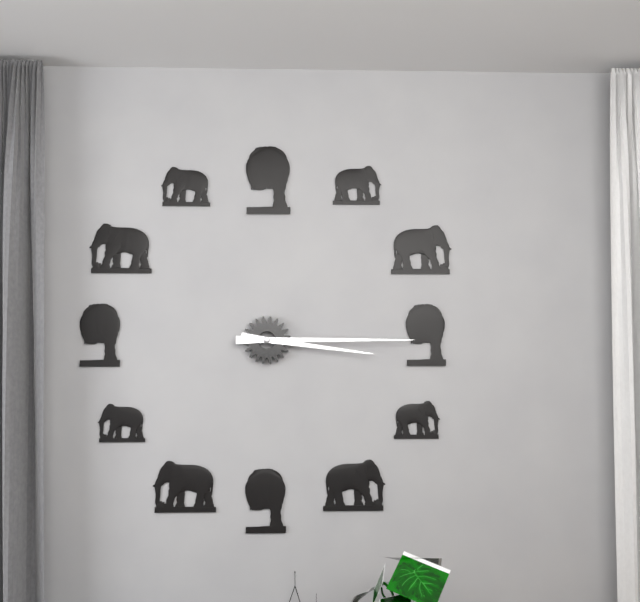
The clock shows 3 h 15 min
